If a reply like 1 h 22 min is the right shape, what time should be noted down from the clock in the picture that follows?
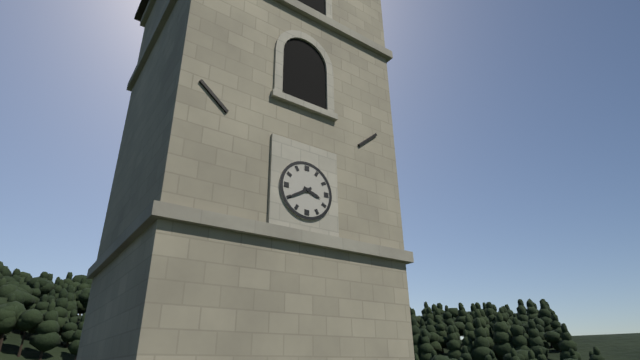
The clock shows 3 h 40 min
